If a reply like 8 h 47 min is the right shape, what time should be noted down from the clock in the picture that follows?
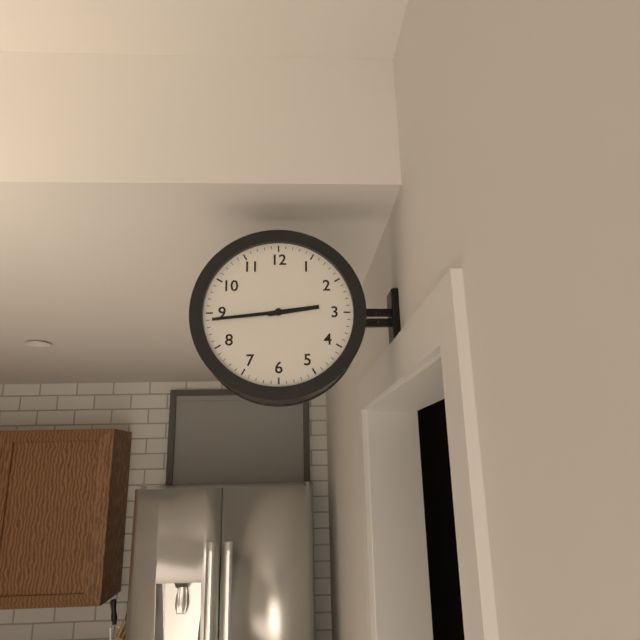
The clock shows 2 h 44 min
